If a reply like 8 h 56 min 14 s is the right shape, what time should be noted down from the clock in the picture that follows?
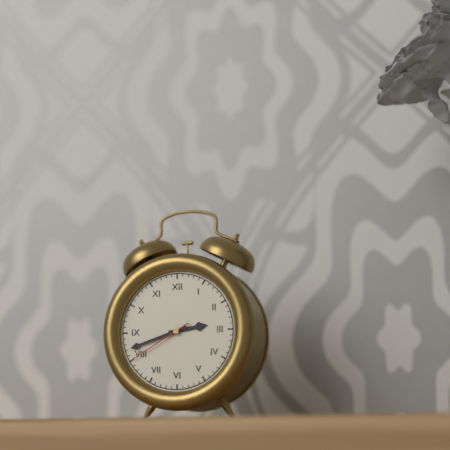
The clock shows 2 h 42 min 40 s
